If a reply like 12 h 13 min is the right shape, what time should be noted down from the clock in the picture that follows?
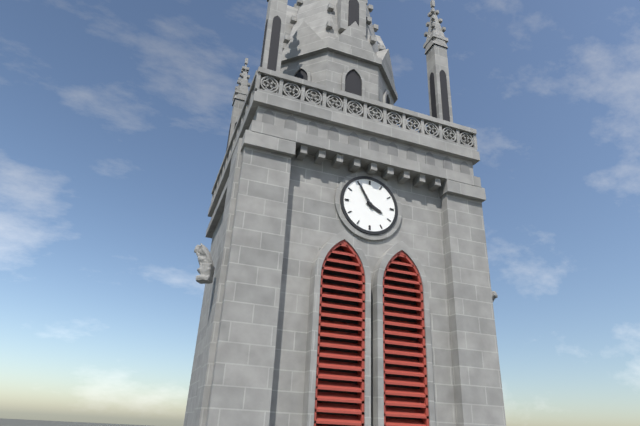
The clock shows 3 h 55 min
